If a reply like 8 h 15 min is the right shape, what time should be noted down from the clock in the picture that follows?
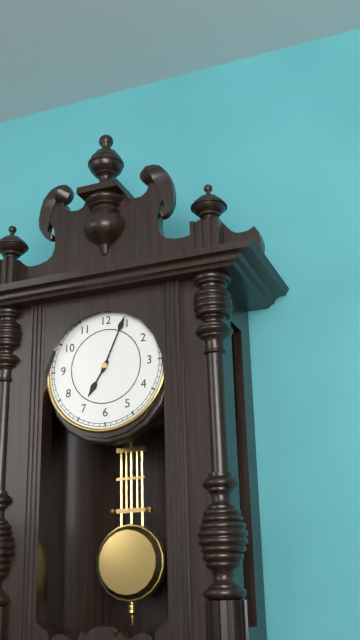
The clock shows 7 h 04 min
